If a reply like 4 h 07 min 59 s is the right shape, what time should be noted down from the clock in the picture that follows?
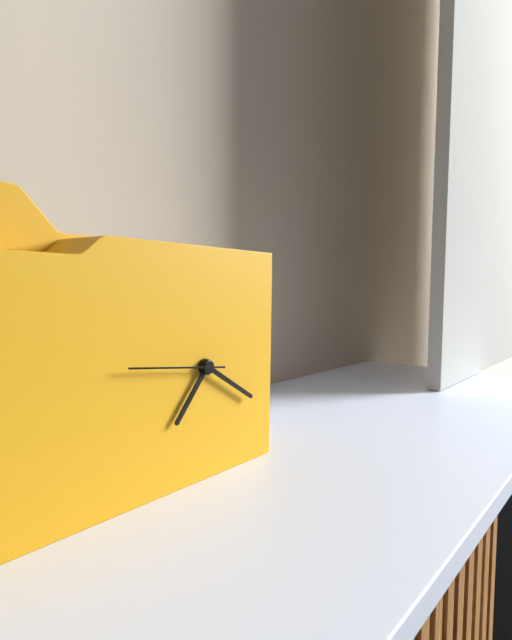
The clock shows 7 h 20 min 46 s
